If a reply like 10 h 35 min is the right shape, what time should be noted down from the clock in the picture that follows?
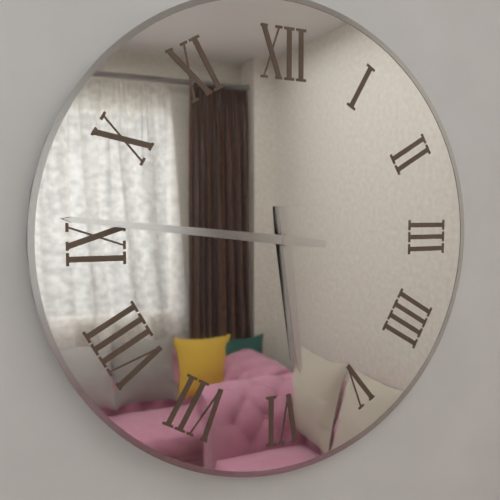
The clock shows 5 h 46 min
